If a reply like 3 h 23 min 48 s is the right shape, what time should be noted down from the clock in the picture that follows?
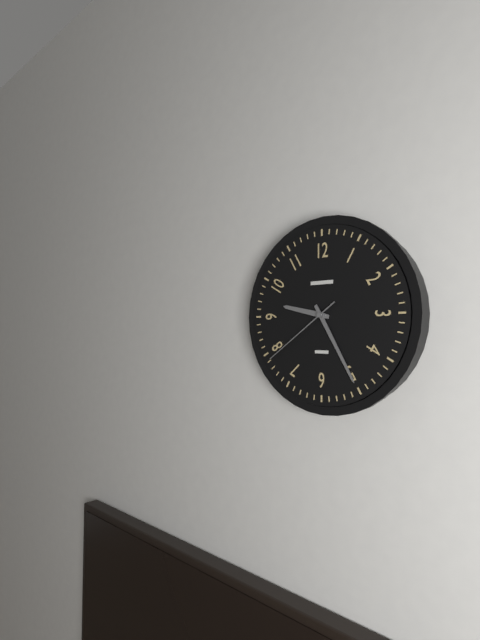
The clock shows 9 h 25 min 39 s
